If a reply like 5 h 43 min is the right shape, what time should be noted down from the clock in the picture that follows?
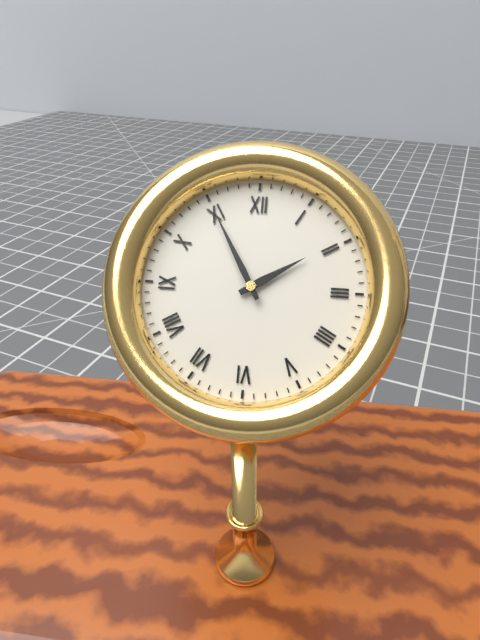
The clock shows 1 h 55 min
